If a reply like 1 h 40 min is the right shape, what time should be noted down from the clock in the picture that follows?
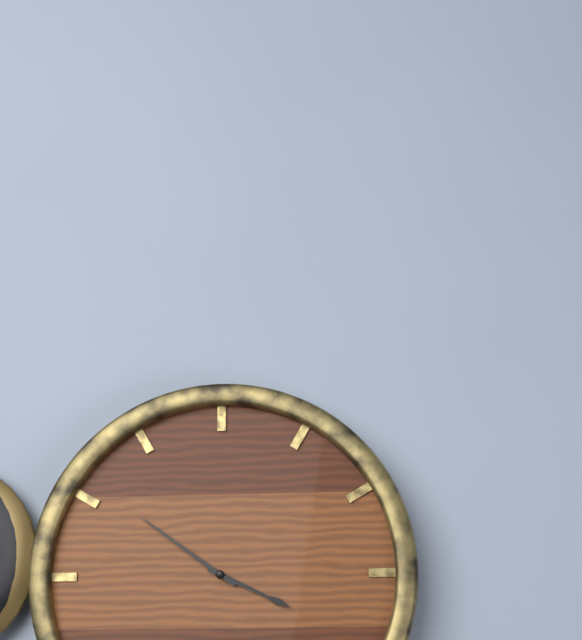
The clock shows 3 h 51 min
